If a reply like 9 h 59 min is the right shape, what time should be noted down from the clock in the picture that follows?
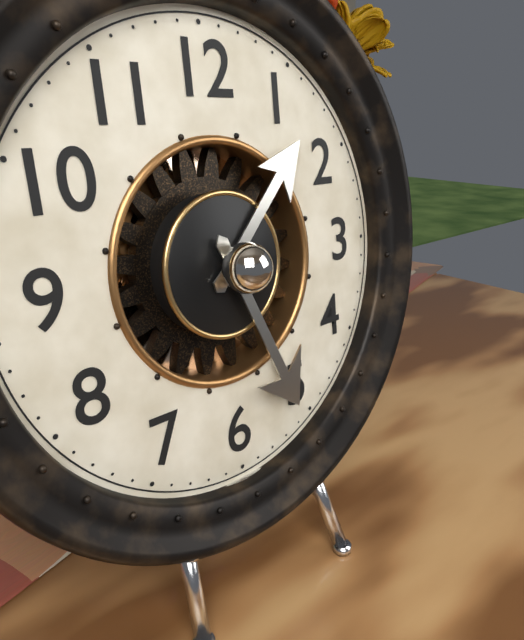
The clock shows 1 h 26 min
